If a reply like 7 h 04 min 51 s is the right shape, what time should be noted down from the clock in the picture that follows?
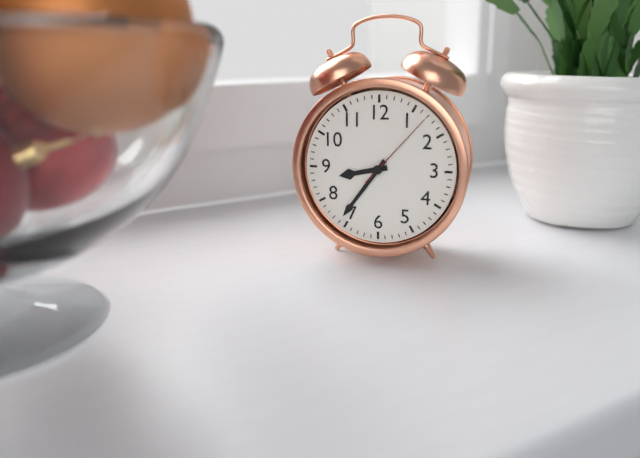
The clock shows 8 h 36 min 07 s
